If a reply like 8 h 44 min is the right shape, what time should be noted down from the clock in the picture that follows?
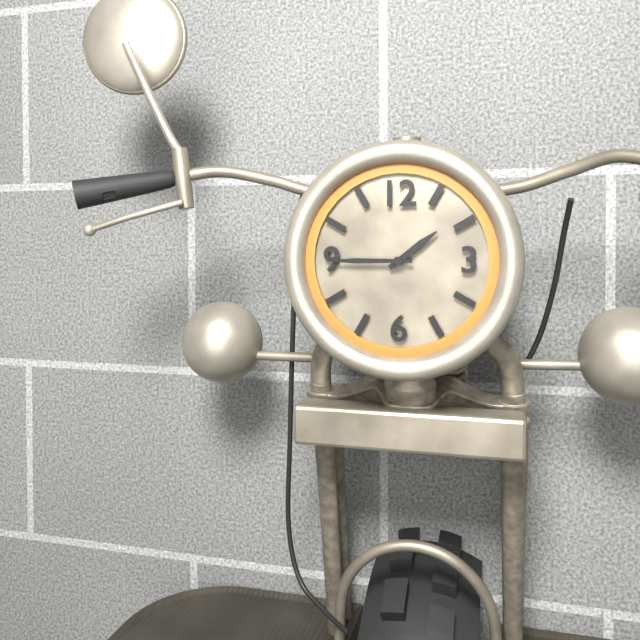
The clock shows 1 h 45 min
